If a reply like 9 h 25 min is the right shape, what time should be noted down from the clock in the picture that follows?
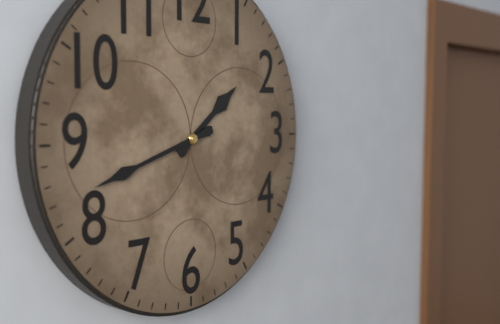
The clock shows 1 h 42 min
